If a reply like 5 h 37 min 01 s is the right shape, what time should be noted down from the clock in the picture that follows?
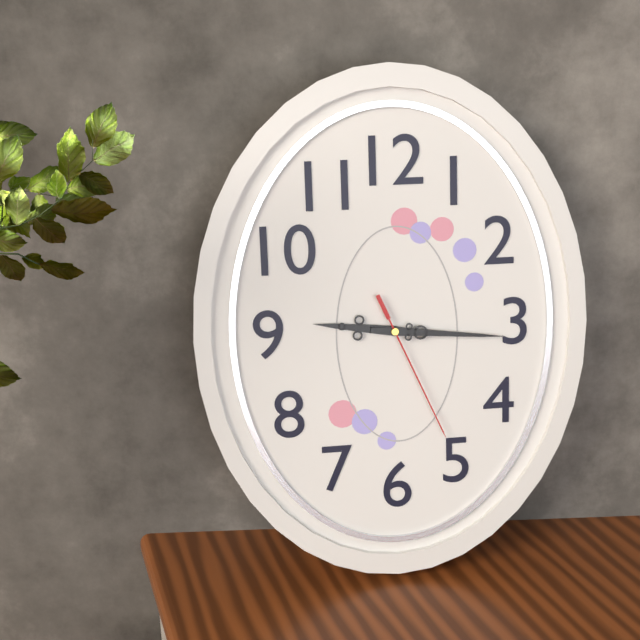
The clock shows 9 h 16 min 26 s
